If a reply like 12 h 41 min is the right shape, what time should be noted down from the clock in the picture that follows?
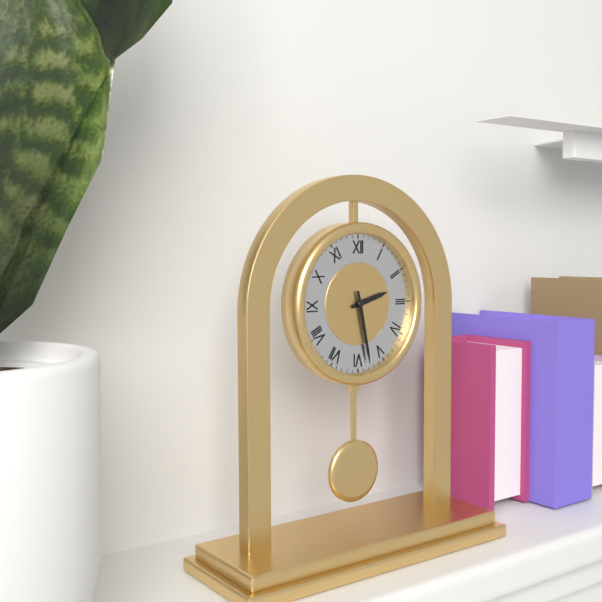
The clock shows 2 h 28 min
